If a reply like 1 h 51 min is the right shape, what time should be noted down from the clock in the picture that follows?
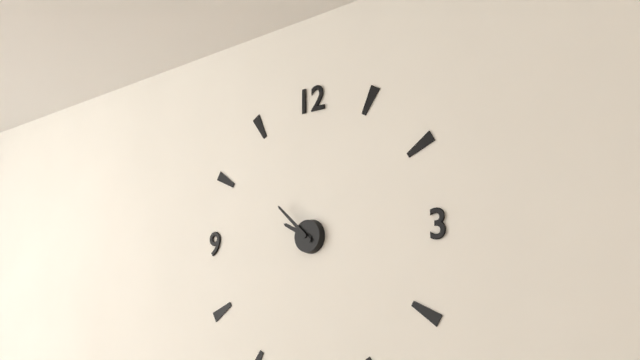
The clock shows 9 h 52 min
